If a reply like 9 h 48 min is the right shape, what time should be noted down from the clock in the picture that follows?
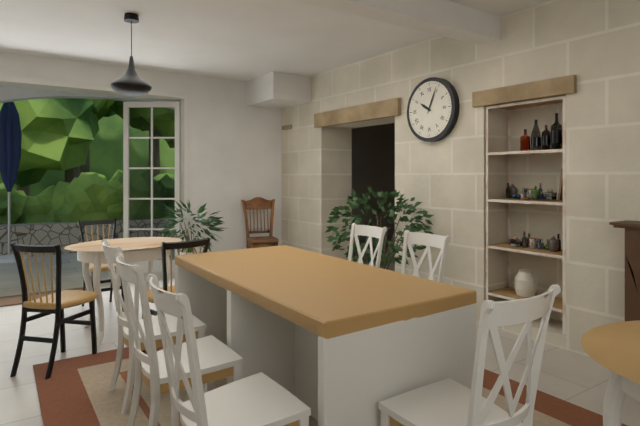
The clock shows 10 h 04 min
